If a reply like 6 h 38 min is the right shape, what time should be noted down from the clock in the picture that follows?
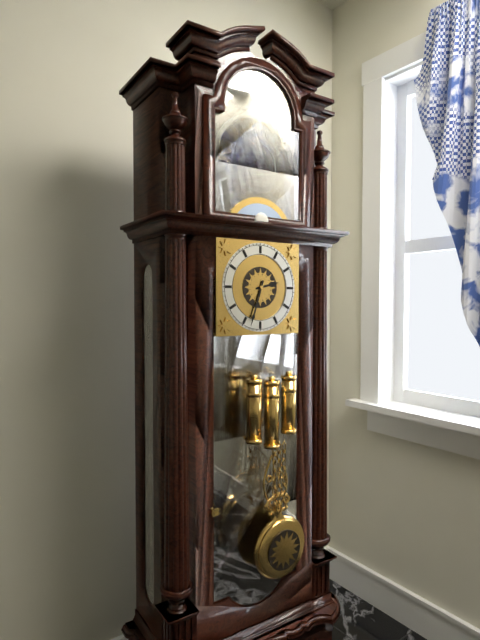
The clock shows 2 h 33 min
